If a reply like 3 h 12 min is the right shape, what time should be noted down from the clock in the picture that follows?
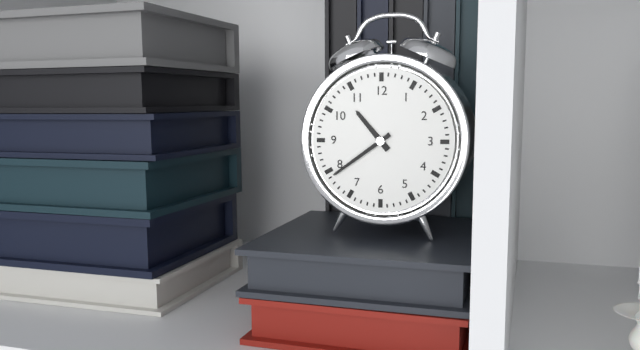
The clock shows 10 h 39 min
